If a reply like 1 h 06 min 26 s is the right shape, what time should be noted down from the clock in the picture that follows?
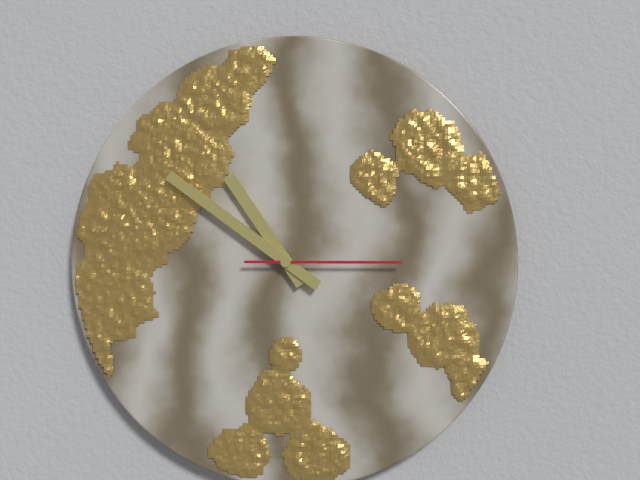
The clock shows 10 h 51 min 15 s
